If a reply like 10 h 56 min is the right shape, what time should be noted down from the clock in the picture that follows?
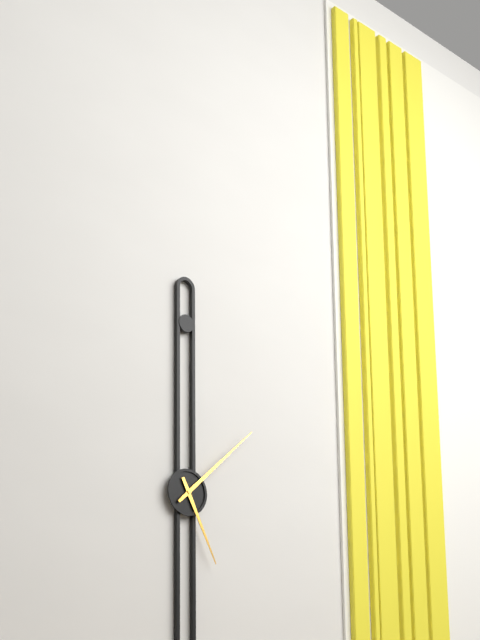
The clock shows 5 h 08 min
